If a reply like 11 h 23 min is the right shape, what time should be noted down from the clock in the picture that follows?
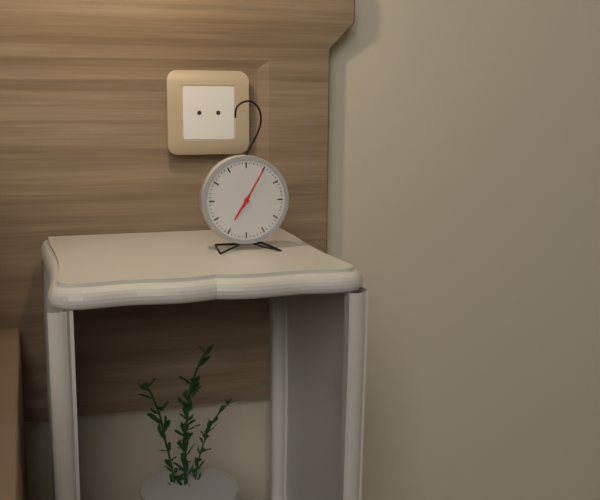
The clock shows 7 h 05 min
